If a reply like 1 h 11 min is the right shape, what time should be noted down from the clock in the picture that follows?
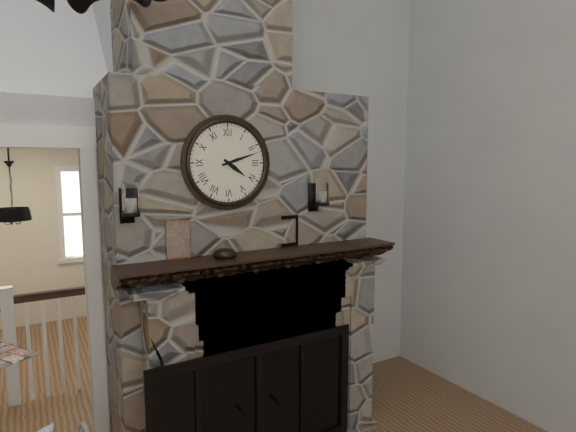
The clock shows 4 h 12 min
